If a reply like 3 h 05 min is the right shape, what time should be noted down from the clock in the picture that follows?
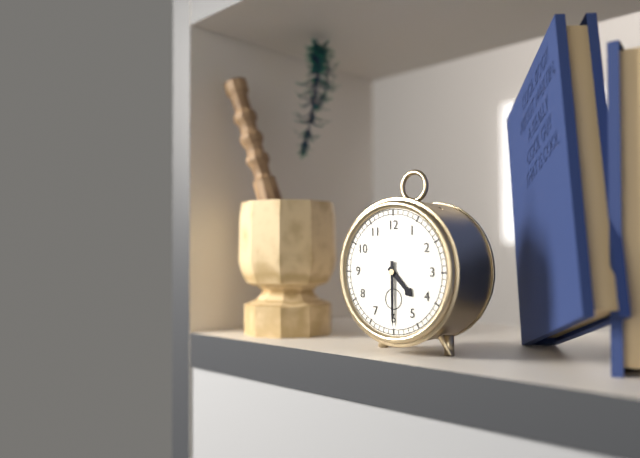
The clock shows 4 h 30 min
